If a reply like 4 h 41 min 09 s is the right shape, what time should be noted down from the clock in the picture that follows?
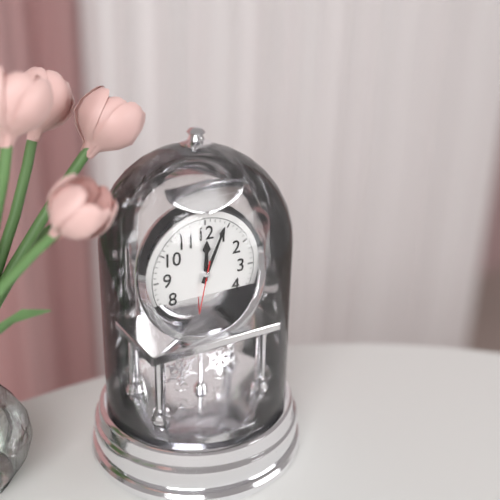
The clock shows 12 h 04 min 32 s
